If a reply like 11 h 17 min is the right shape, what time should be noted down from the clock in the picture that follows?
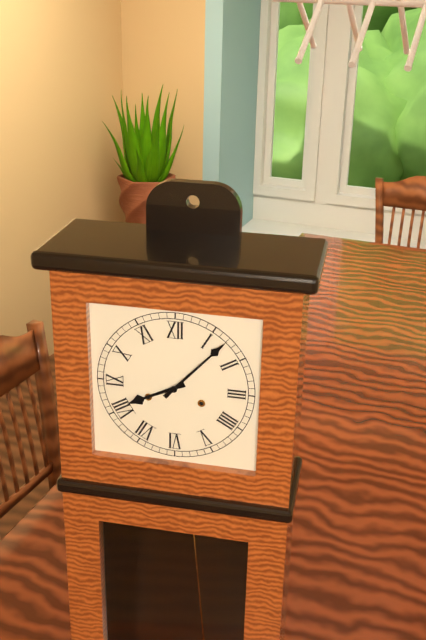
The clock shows 8 h 07 min
